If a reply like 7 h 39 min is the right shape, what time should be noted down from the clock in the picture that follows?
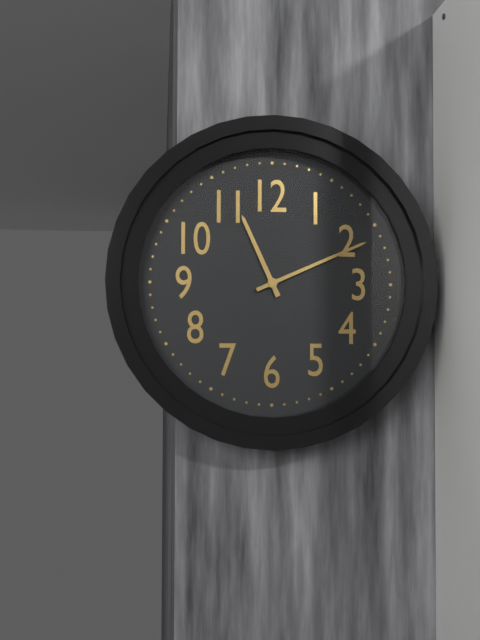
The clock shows 11 h 11 min
